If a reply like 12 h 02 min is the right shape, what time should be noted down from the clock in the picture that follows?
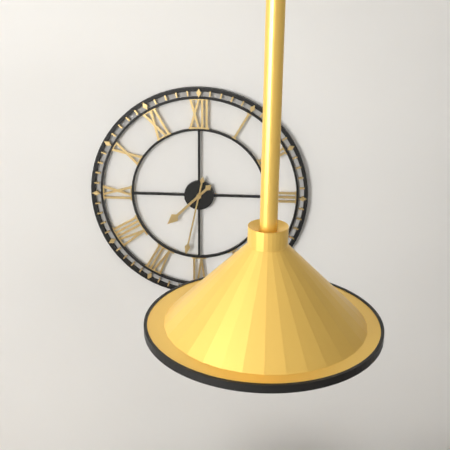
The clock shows 7 h 32 min
